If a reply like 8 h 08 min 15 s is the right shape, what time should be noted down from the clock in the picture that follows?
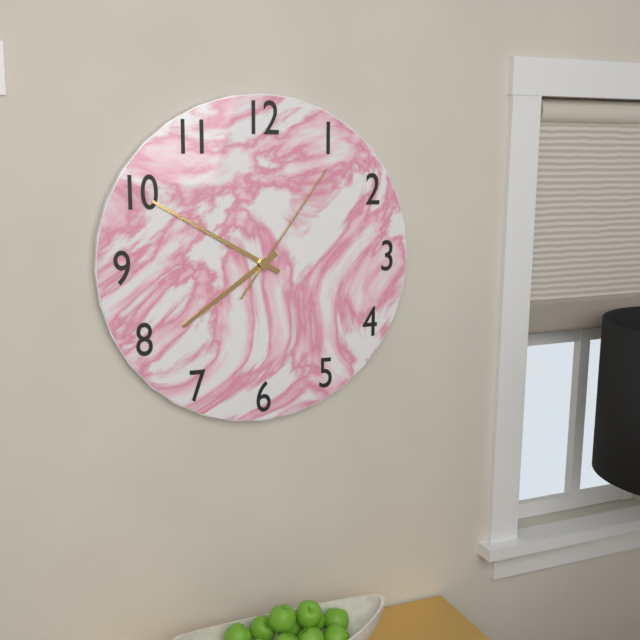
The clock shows 7 h 50 min 06 s
